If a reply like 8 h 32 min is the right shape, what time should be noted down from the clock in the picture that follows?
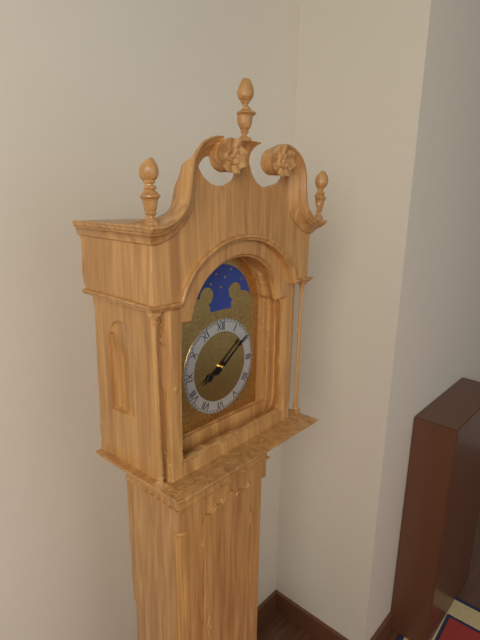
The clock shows 8 h 09 min
